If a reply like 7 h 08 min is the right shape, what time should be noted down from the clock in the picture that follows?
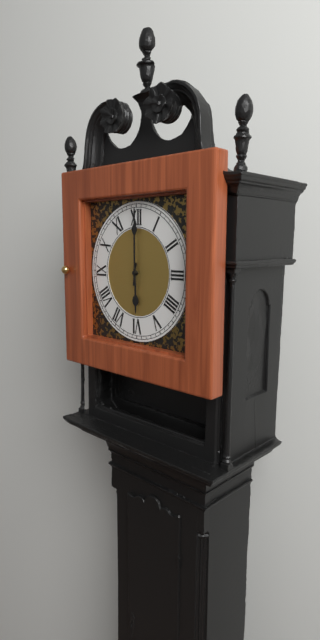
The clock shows 6 h 00 min
